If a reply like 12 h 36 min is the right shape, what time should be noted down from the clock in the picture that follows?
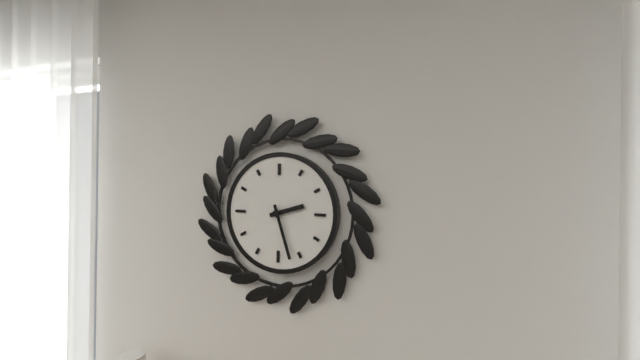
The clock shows 2 h 27 min
